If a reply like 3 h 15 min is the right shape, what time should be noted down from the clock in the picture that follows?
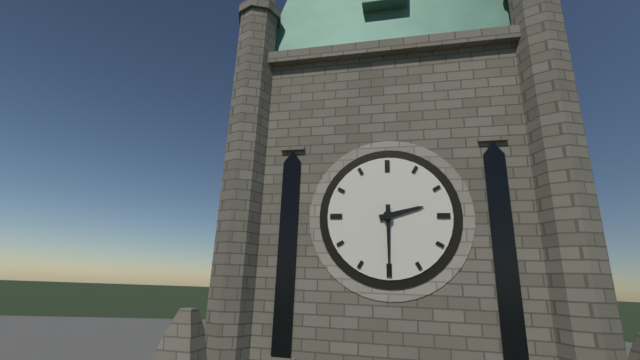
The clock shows 2 h 30 min
